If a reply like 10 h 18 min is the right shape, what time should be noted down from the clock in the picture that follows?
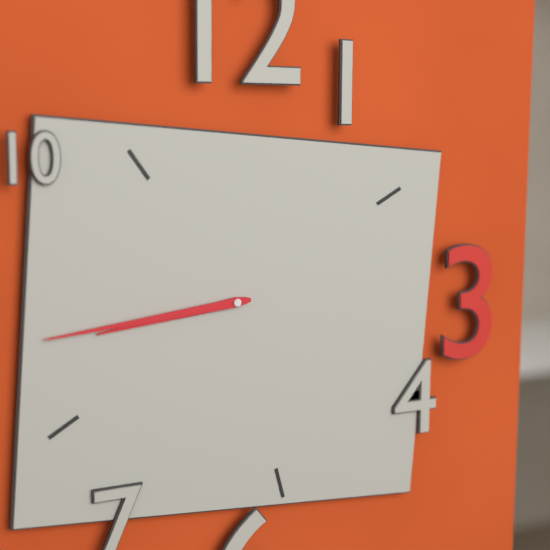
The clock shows 8 h 44 min
